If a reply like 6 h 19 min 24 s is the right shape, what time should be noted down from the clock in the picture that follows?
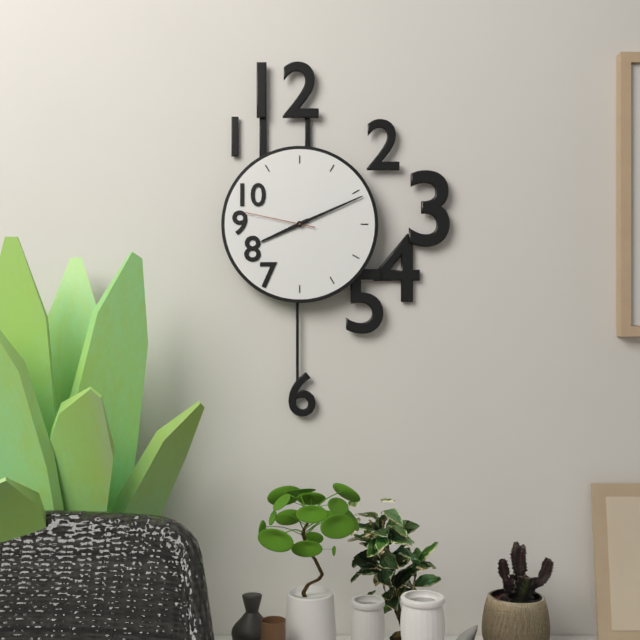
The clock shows 8 h 11 min 47 s
